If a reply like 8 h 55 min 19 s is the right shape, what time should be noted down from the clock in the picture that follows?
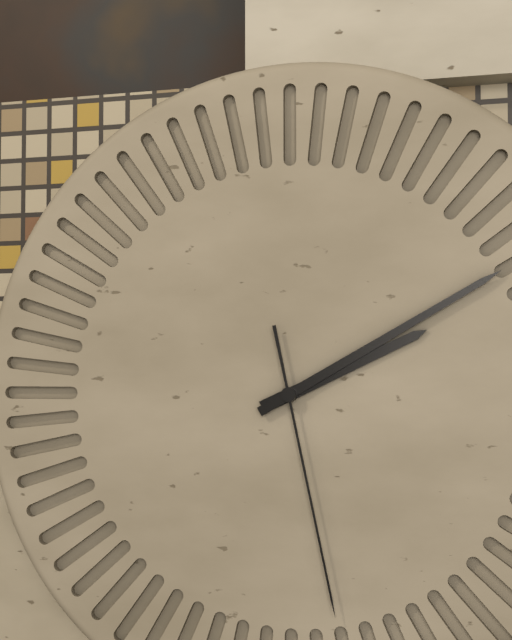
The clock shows 2 h 10 min 28 s
